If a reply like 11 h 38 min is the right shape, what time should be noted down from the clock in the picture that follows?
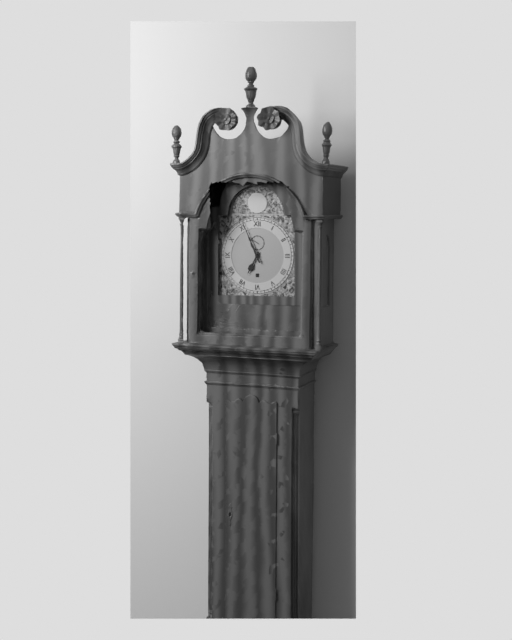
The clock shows 6 h 56 min
